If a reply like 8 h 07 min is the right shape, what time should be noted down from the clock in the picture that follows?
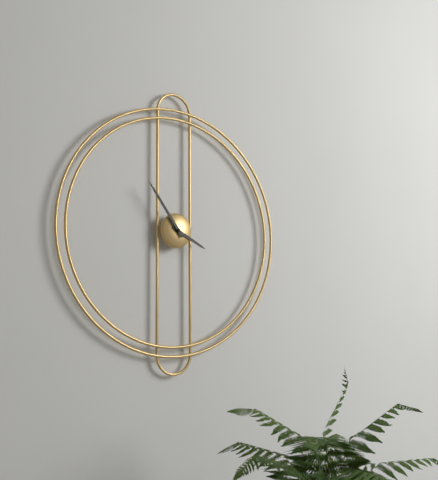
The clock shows 3 h 54 min
